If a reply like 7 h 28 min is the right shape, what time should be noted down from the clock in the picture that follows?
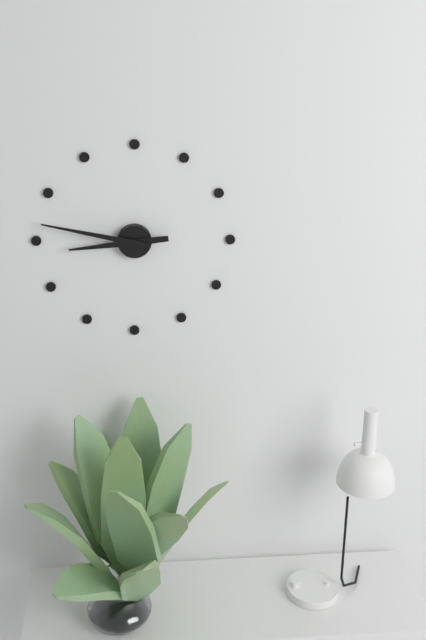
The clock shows 8 h 47 min
